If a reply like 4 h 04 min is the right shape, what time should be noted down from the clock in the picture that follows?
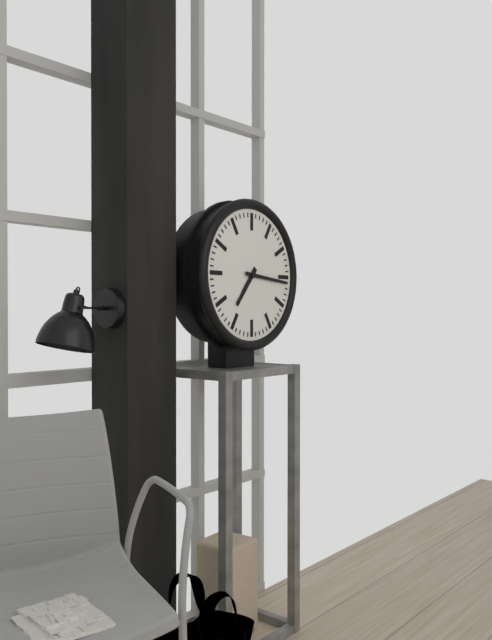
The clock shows 7 h 16 min
